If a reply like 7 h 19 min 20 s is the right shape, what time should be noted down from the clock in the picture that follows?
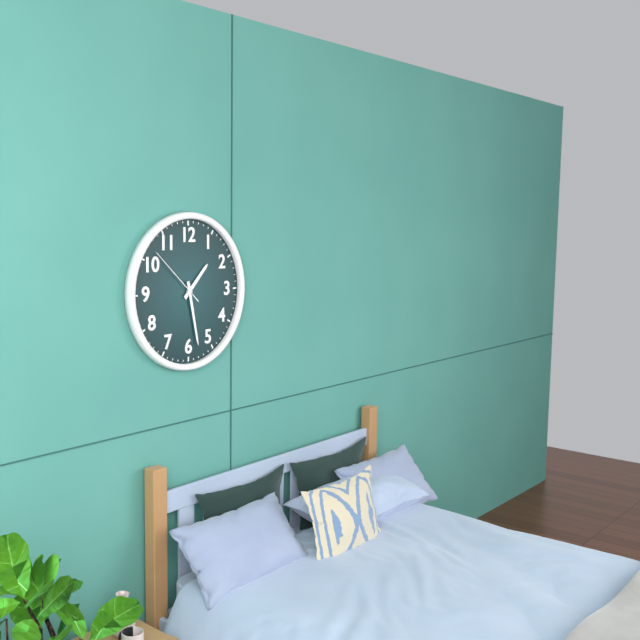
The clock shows 1 h 28 min 52 s
